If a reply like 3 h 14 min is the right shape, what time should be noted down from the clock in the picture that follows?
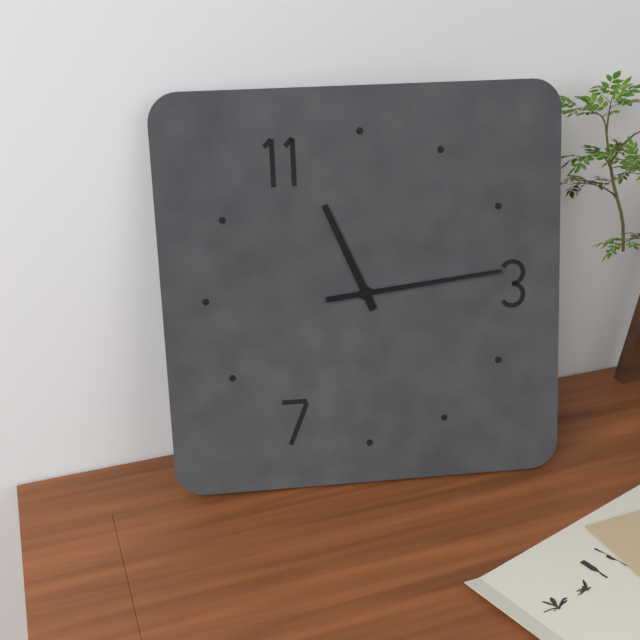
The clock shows 11 h 14 min
